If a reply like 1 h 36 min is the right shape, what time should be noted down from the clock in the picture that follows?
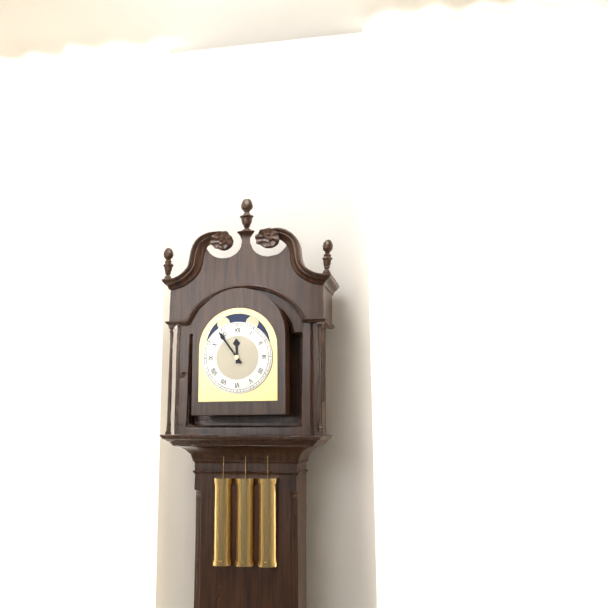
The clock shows 11 h 54 min
